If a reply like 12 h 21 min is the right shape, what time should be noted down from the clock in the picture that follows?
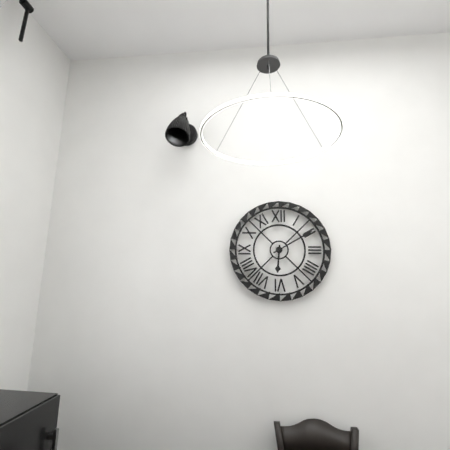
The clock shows 6 h 10 min
